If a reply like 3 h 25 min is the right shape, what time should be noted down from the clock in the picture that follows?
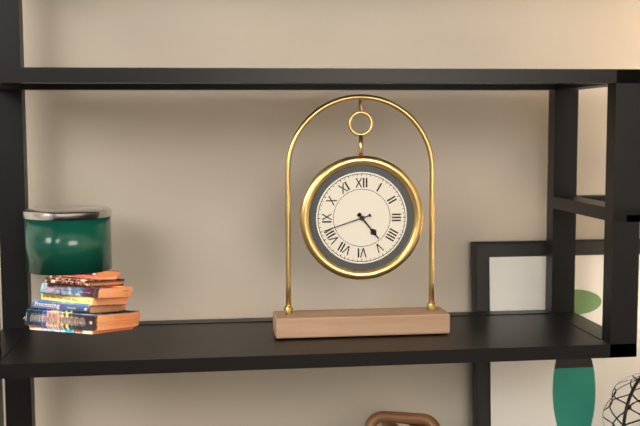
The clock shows 4 h 42 min
